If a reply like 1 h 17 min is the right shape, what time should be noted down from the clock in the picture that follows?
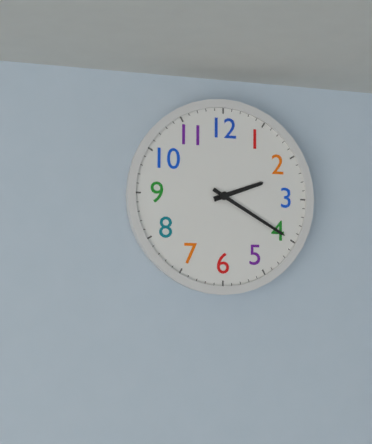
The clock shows 2 h 20 min
